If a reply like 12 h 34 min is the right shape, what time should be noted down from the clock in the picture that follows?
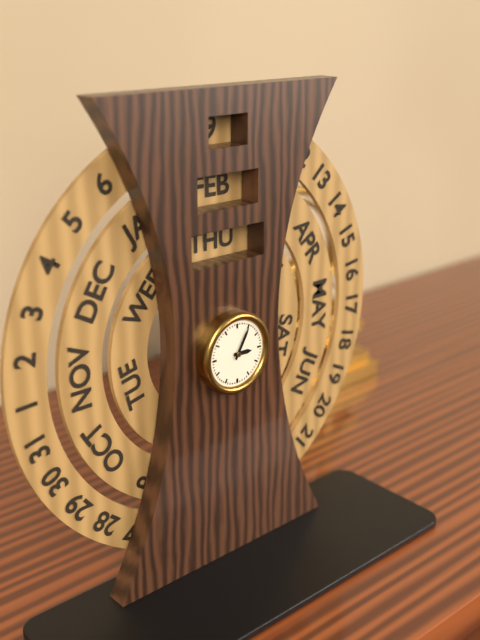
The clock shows 3 h 05 min
